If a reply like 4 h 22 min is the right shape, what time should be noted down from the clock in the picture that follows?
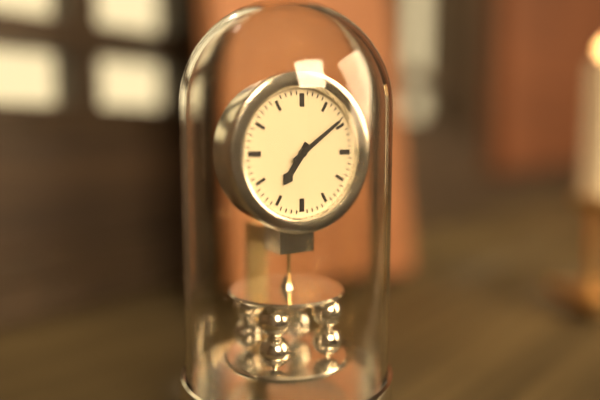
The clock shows 7 h 09 min
